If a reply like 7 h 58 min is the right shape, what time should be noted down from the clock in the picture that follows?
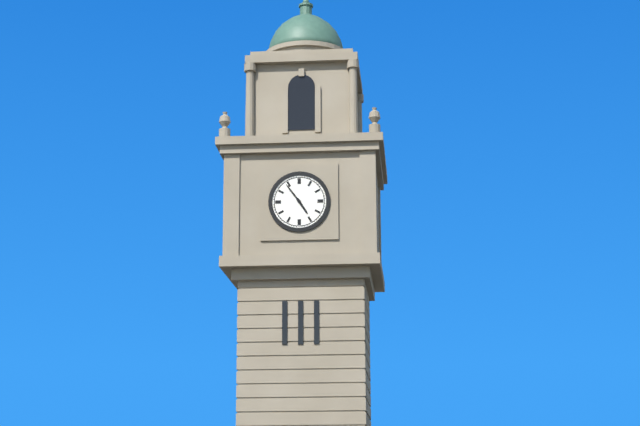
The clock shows 4 h 54 min
